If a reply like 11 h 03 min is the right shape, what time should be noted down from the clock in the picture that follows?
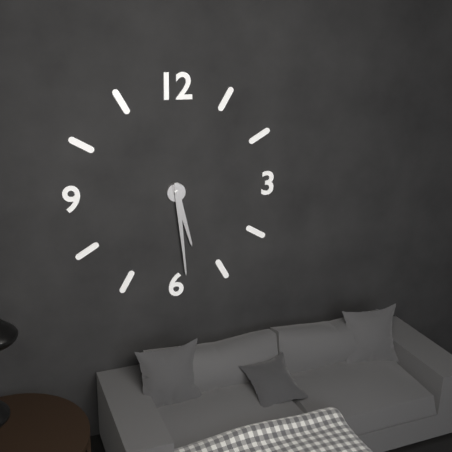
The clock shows 5 h 29 min
